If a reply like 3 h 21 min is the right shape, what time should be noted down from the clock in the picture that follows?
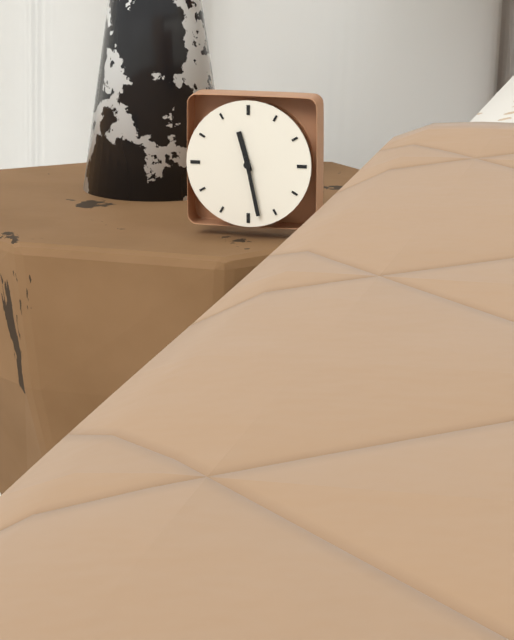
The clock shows 11 h 28 min
